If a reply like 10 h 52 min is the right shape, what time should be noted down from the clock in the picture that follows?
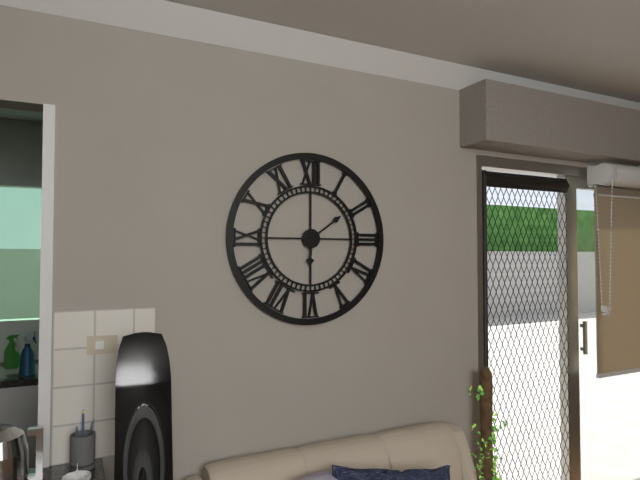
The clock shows 6 h 09 min
